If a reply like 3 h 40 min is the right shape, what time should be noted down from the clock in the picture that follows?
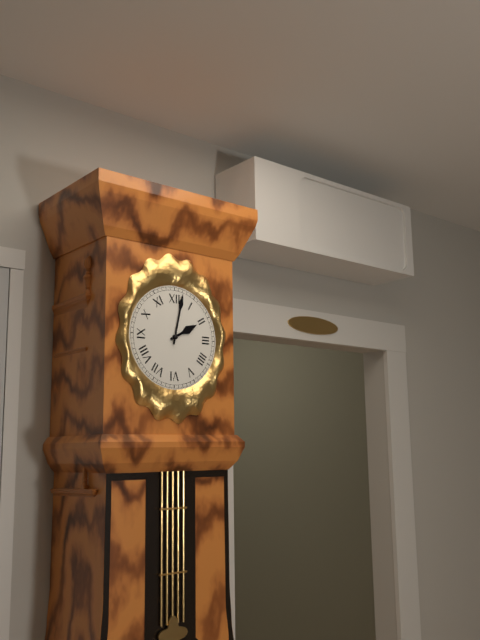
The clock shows 2 h 02 min
